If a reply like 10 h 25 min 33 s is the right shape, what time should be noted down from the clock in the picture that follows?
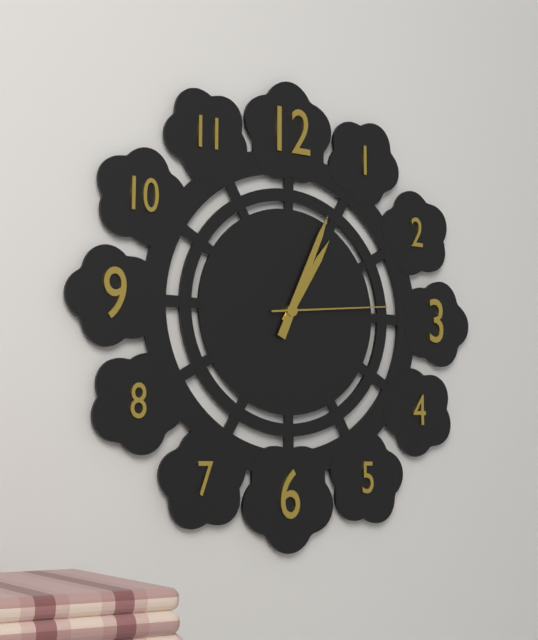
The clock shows 1 h 04 min 14 s
